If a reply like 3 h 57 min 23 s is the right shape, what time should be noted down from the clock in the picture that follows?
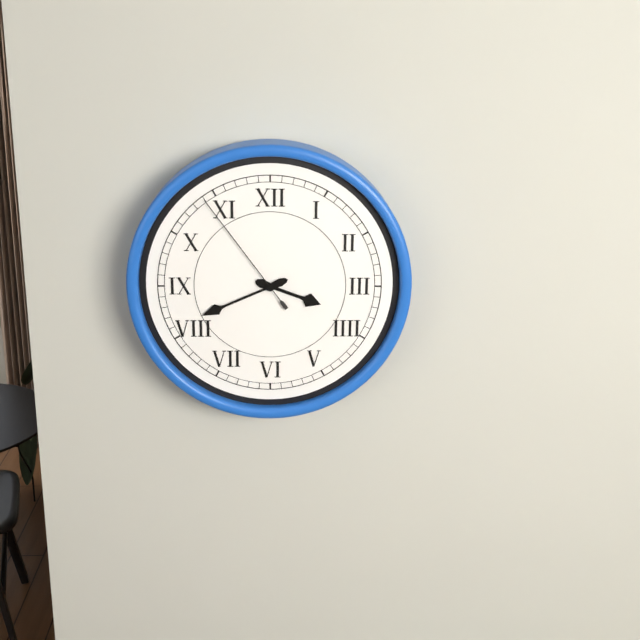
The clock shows 3 h 41 min 54 s
